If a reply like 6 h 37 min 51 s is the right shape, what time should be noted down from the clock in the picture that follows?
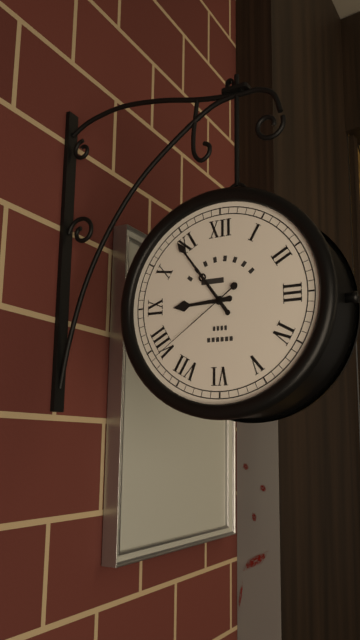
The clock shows 8 h 54 min 39 s
